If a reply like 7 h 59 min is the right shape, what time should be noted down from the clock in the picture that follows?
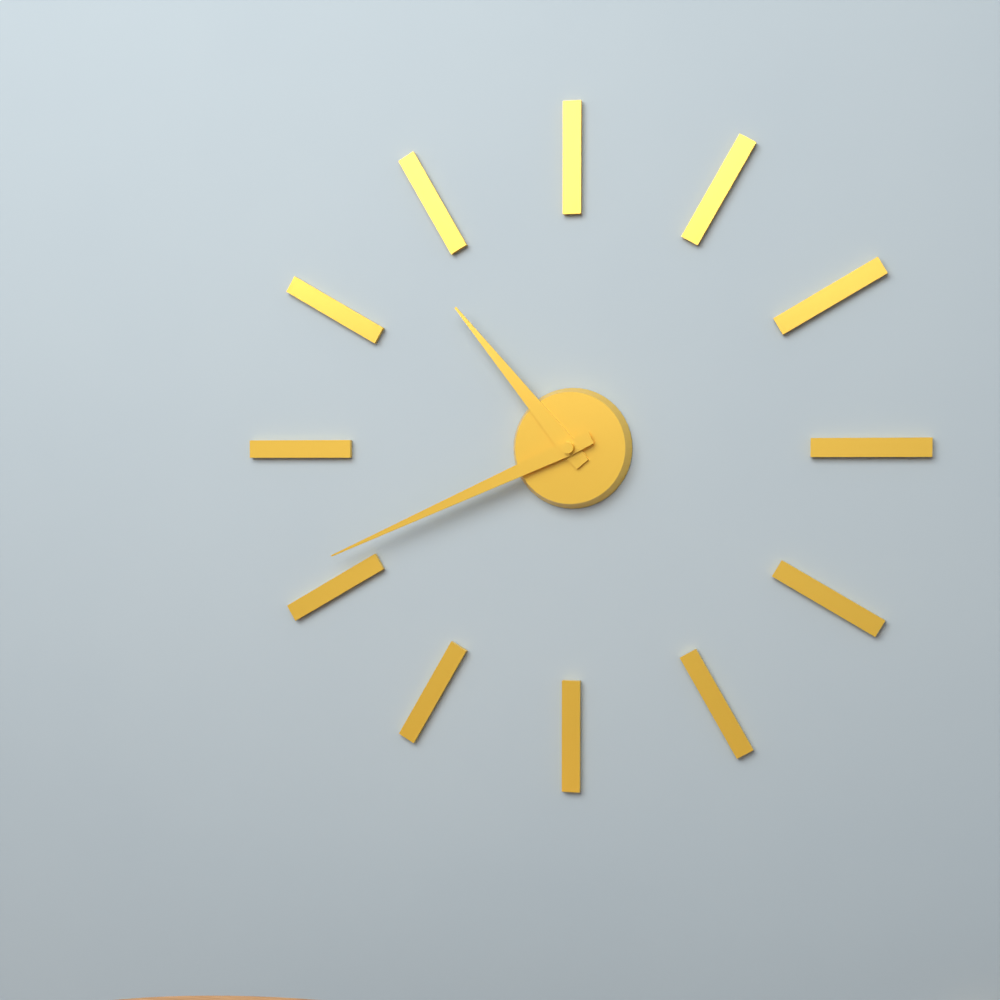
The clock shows 10 h 41 min
